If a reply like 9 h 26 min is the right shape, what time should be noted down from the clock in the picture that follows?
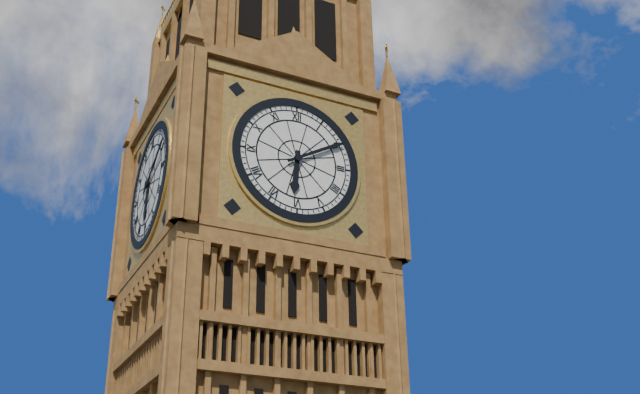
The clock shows 6 h 10 min
